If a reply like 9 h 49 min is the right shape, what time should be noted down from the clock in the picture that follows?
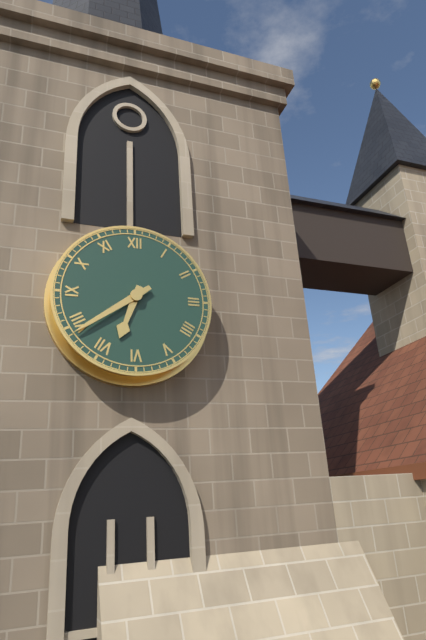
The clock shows 6 h 39 min
